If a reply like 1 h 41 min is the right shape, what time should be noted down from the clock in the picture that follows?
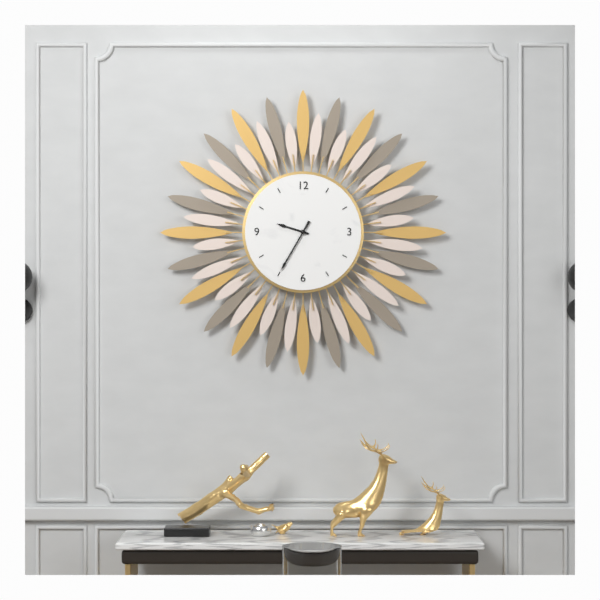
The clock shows 9 h 35 min
